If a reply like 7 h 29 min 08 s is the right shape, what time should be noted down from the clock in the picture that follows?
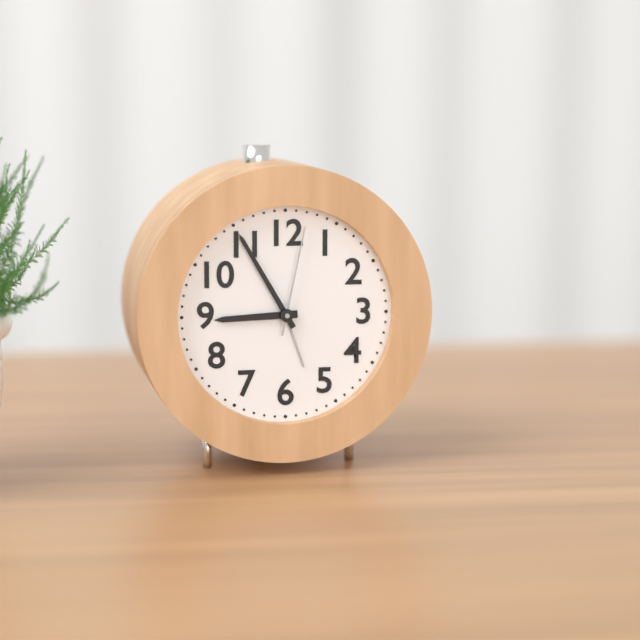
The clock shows 8 h 55 min 02 s
